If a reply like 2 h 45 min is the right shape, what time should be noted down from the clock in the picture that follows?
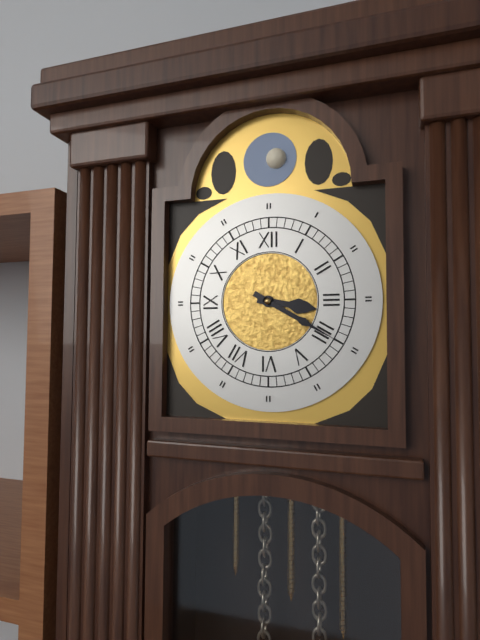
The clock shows 3 h 20 min
